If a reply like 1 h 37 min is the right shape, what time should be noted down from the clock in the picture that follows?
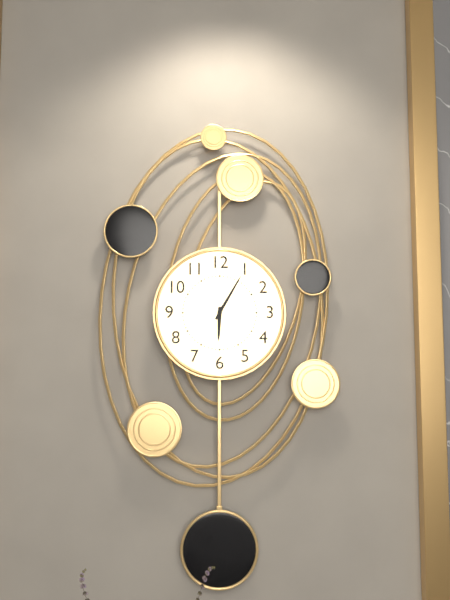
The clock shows 6 h 05 min
